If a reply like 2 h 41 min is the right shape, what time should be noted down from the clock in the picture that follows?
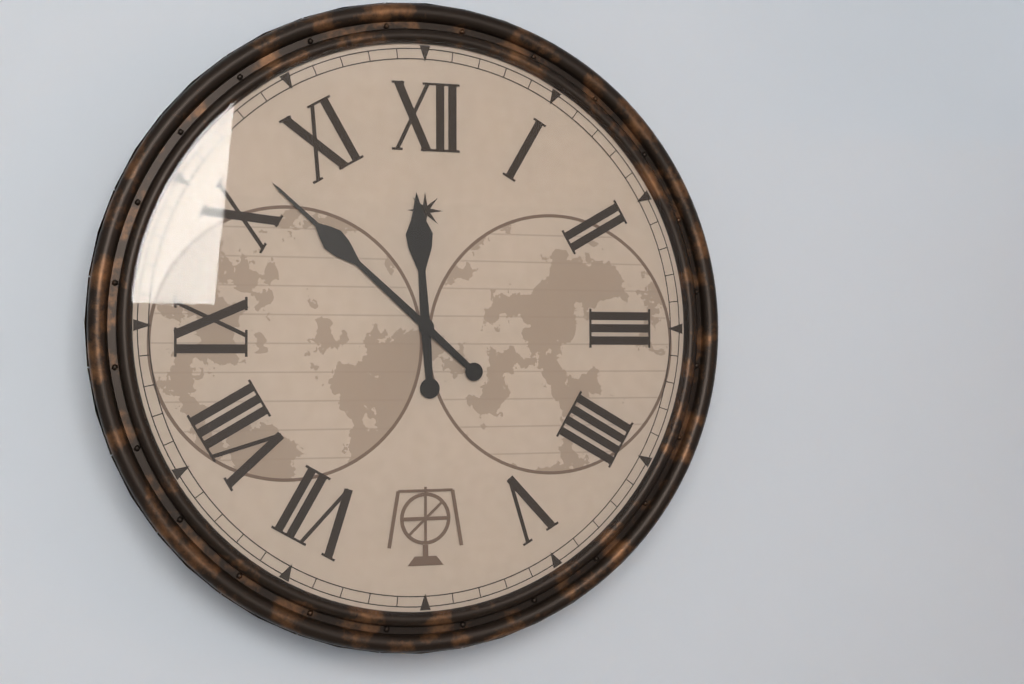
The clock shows 11 h 52 min
